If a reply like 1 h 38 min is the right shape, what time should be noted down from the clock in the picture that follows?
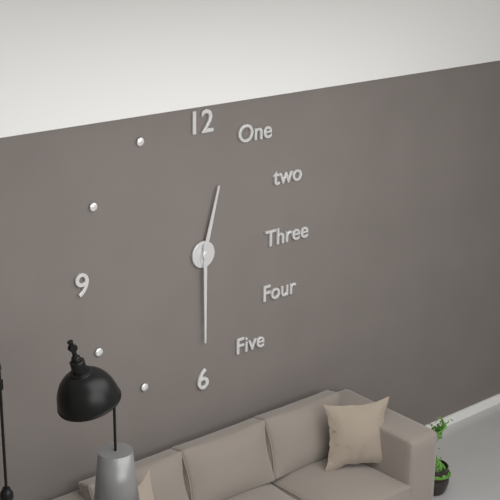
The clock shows 12 h 30 min
